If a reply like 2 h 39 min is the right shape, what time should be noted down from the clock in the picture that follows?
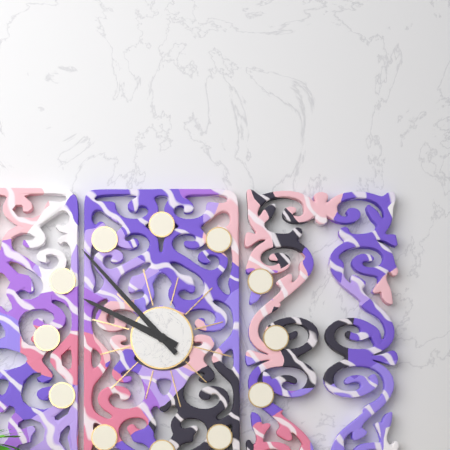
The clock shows 9 h 53 min
